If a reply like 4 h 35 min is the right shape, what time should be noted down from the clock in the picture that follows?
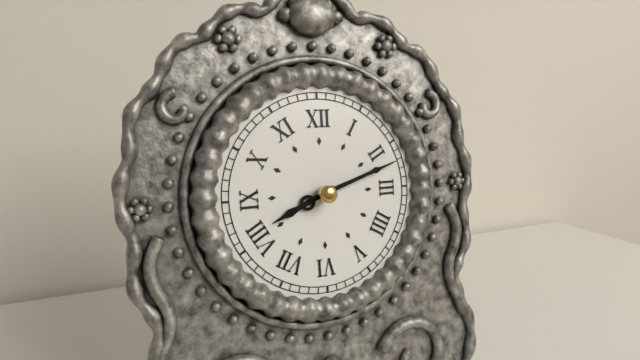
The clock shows 8 h 12 min
